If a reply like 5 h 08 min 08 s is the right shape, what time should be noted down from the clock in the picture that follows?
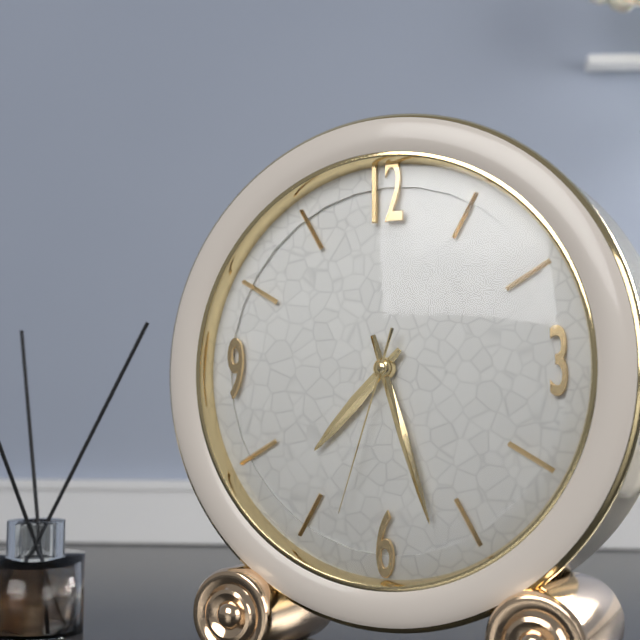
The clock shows 7 h 27 min 33 s
